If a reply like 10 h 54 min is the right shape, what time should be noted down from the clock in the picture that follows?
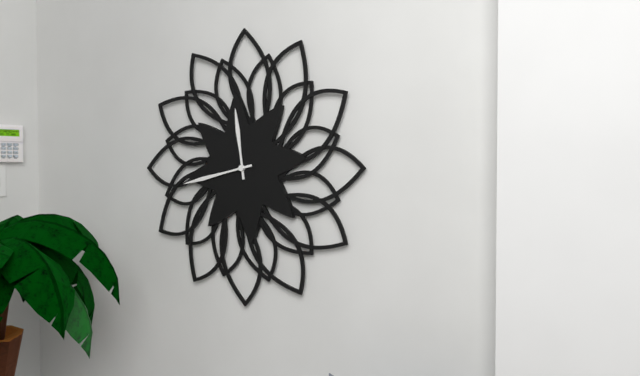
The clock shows 11 h 43 min
